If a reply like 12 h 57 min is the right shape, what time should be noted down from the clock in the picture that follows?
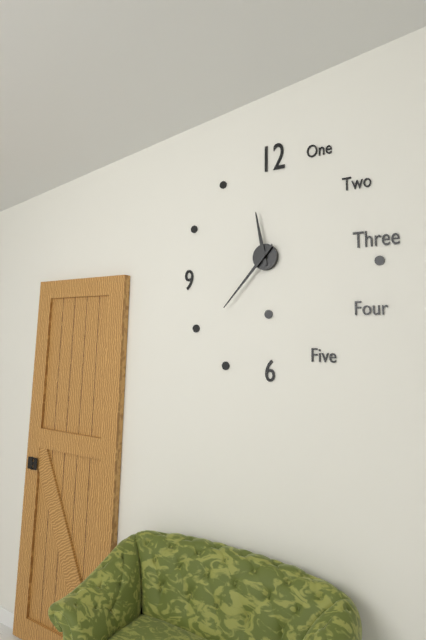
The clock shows 11 h 37 min
